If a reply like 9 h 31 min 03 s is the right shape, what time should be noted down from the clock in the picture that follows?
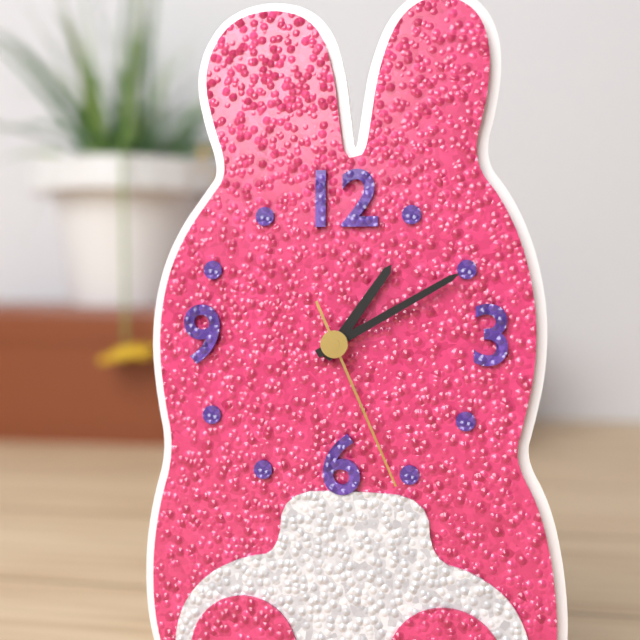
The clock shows 1 h 10 min 26 s
